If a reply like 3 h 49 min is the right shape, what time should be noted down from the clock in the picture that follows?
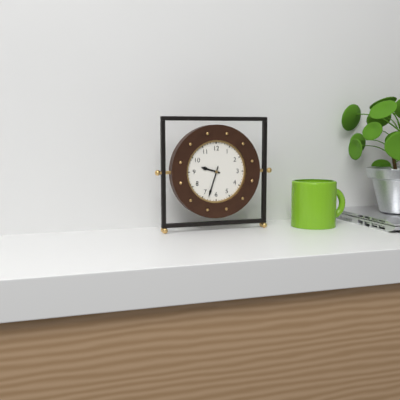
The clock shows 9 h 33 min
